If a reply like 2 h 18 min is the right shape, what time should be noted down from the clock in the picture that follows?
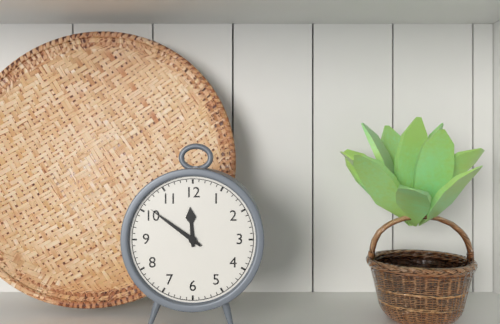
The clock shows 11 h 51 min
